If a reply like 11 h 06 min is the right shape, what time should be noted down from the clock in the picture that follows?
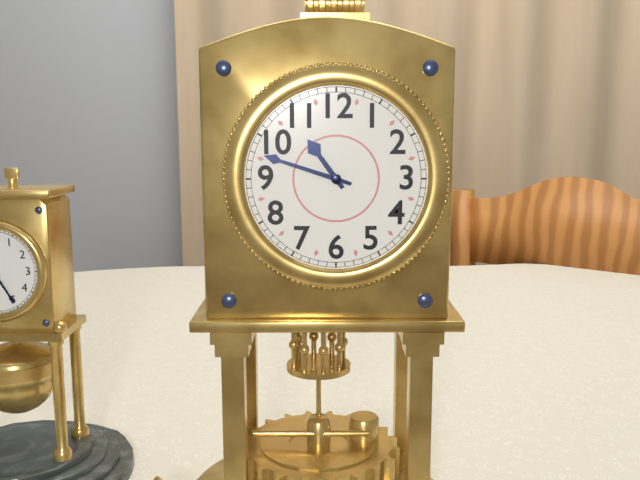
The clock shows 10 h 48 min
